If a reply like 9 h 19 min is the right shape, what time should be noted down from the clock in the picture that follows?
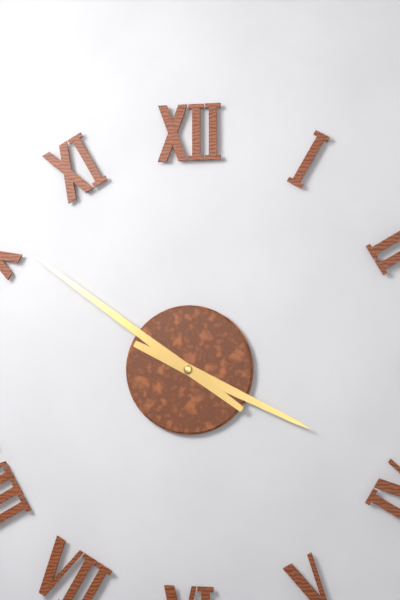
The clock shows 3 h 51 min
